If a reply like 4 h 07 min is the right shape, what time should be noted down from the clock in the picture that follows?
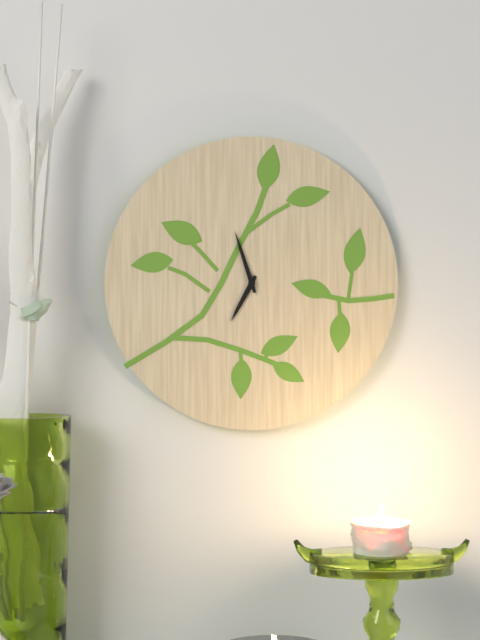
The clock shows 6 h 57 min
